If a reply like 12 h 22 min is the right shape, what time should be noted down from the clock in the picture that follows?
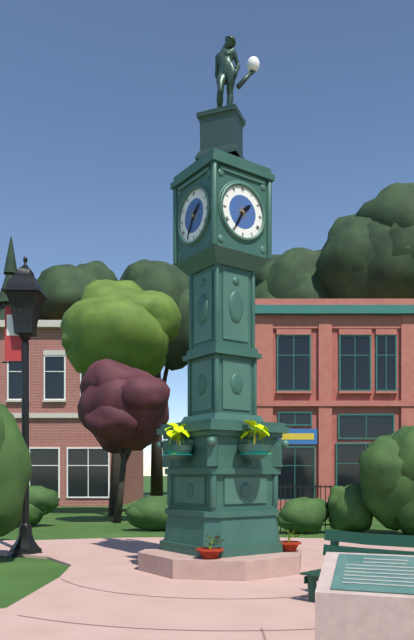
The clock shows 1 h 35 min
